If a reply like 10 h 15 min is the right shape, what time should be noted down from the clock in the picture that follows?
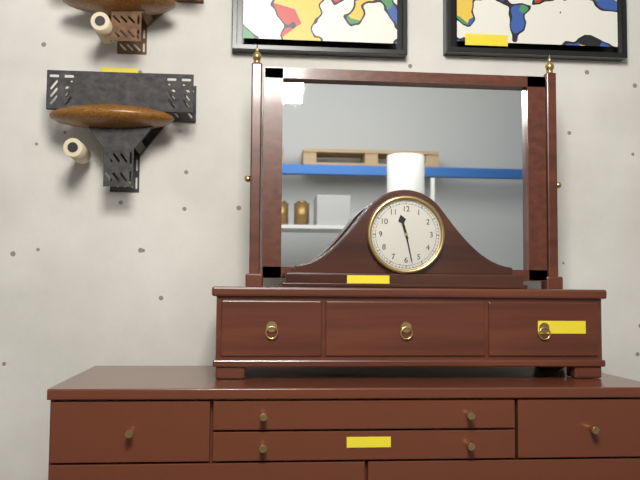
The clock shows 11 h 28 min
